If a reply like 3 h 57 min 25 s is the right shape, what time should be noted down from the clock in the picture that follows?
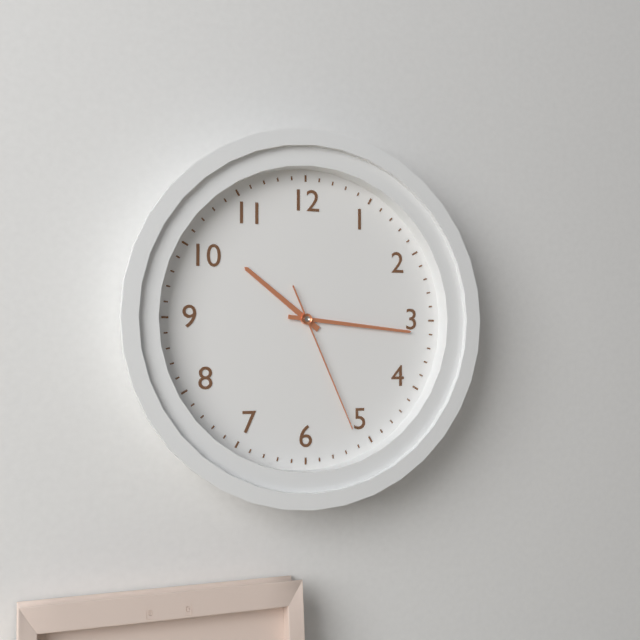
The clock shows 10 h 16 min 26 s
